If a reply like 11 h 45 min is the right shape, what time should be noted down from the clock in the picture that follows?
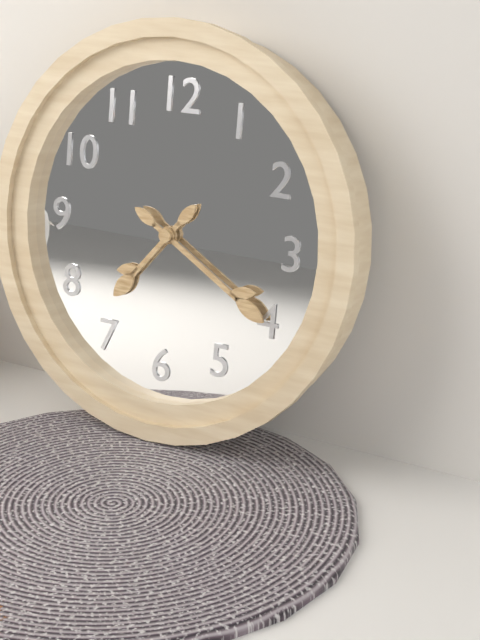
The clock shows 7 h 20 min
